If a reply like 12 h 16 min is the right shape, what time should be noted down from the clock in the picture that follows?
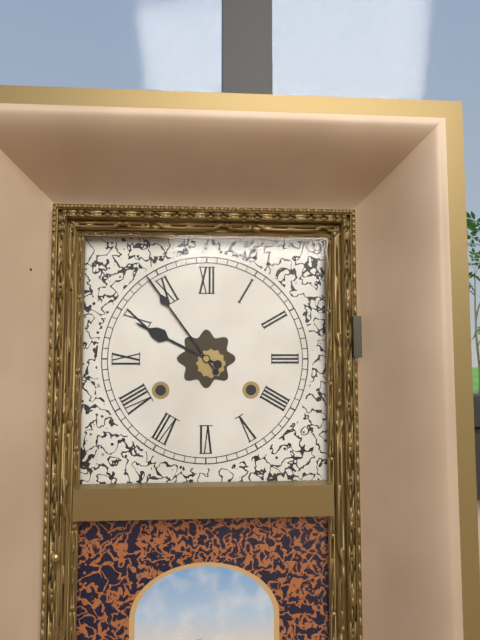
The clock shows 9 h 54 min
